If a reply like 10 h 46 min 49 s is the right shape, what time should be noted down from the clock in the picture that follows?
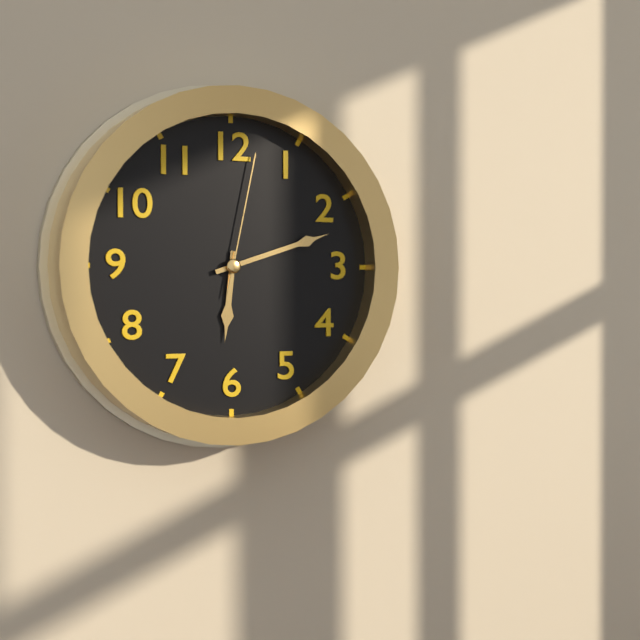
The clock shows 6 h 12 min 02 s
